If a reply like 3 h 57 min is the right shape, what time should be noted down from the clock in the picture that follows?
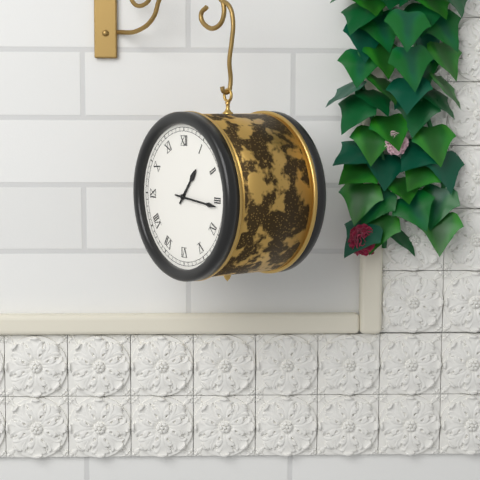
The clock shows 1 h 16 min
